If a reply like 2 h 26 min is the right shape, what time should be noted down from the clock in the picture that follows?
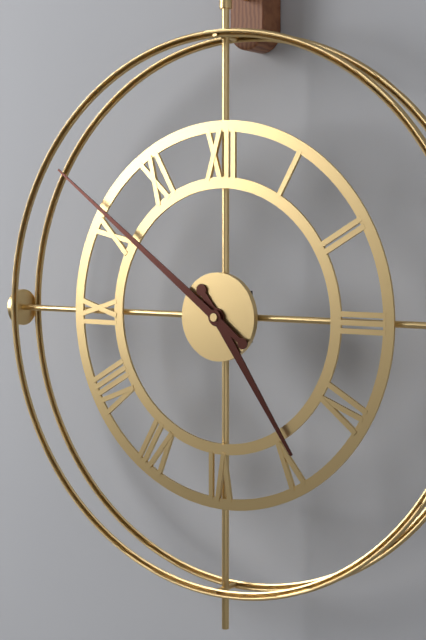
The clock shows 4 h 51 min
